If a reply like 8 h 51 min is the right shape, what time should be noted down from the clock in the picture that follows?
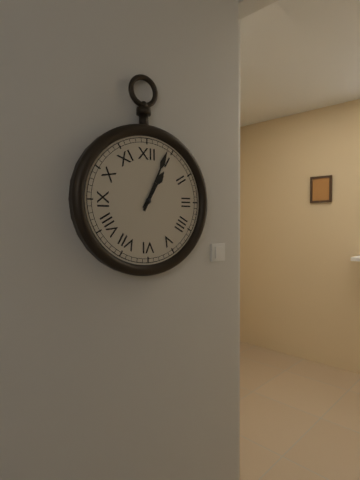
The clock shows 1 h 04 min
